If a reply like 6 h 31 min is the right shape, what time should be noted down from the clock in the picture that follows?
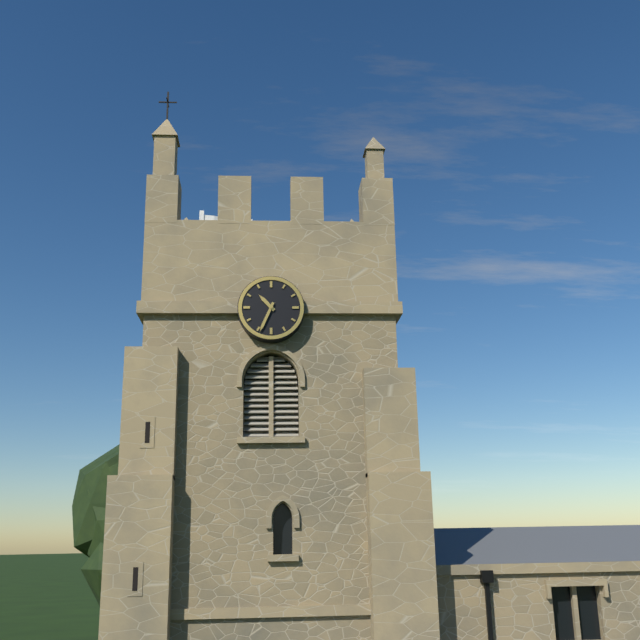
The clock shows 10 h 34 min
